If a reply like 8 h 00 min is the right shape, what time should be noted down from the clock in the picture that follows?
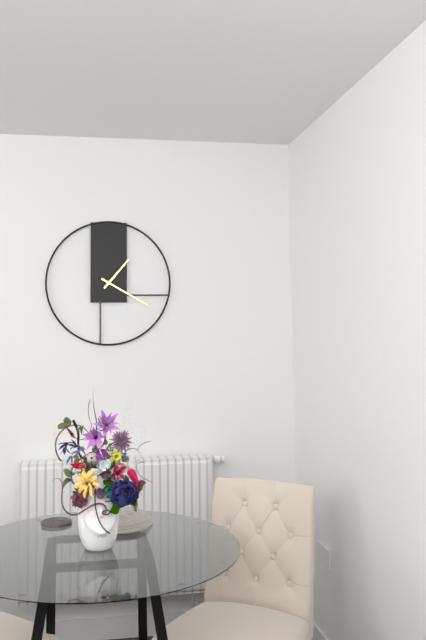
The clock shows 1 h 20 min
